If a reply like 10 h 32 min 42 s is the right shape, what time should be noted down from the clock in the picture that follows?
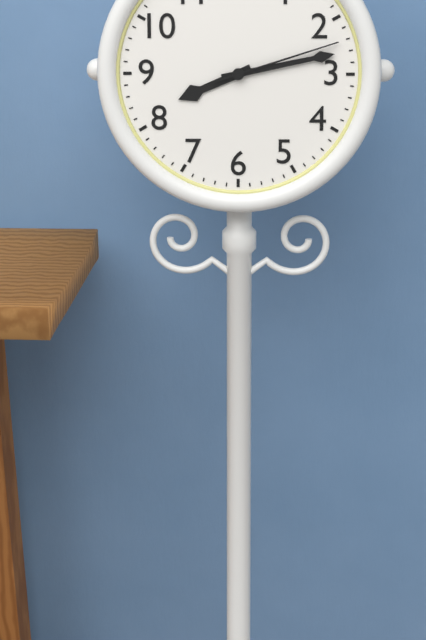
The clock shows 8 h 13 min 12 s
